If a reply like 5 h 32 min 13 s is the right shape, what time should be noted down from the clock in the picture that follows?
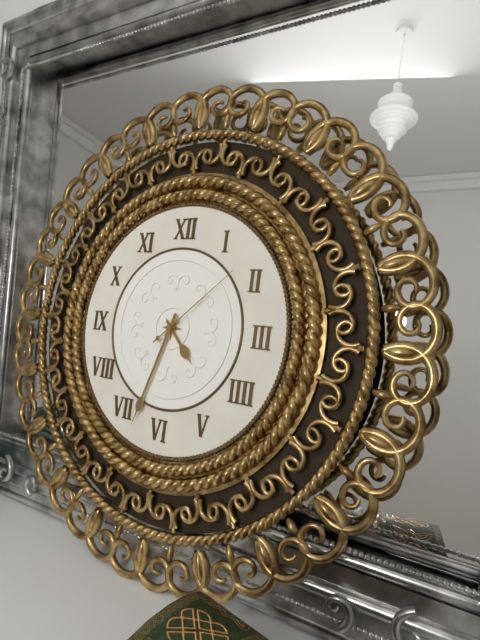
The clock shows 4 h 33 min 08 s
